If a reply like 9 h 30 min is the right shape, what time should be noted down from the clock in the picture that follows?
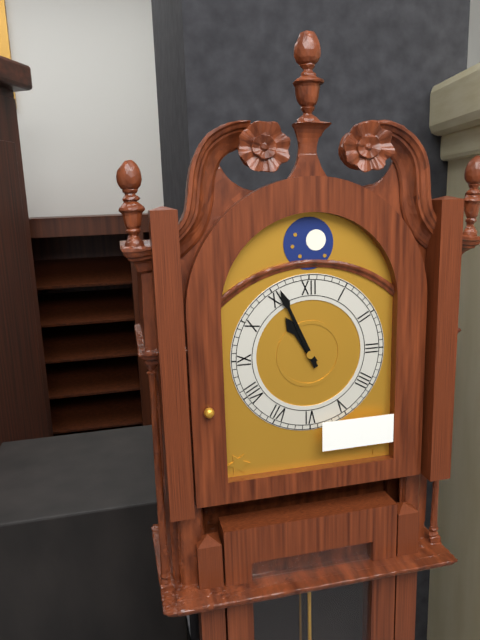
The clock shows 10 h 56 min
